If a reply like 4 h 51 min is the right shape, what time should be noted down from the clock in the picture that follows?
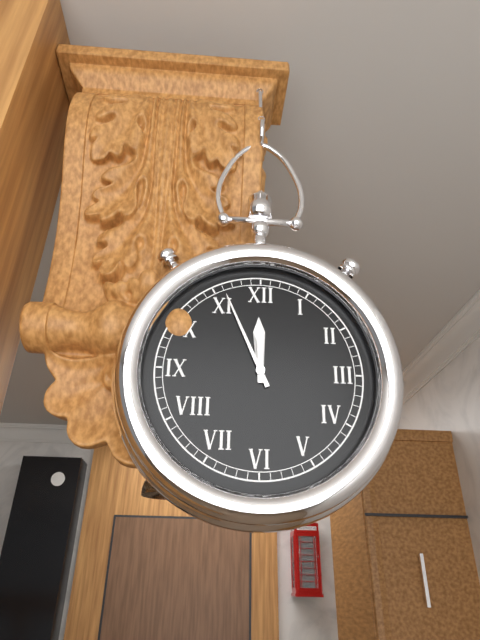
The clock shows 11 h 56 min
